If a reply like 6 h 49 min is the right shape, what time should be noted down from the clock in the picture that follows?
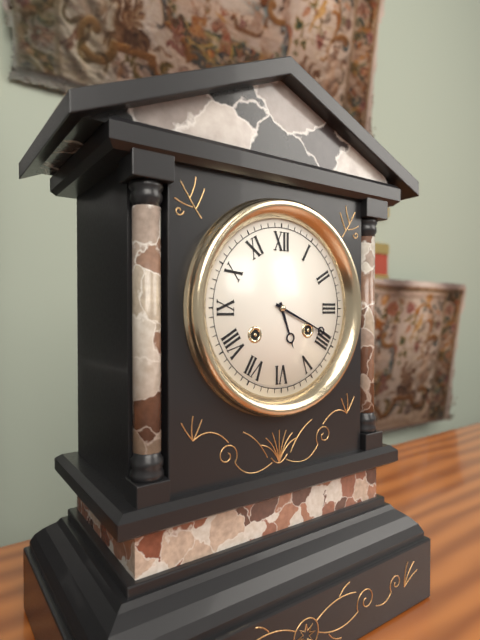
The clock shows 5 h 19 min
